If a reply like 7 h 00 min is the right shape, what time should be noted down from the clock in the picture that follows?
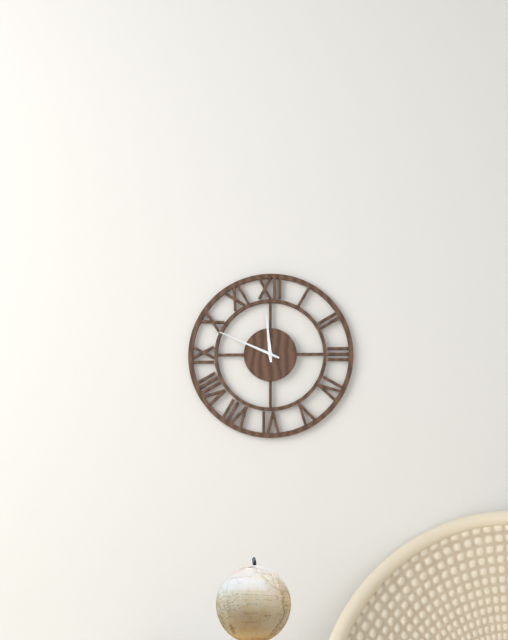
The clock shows 11 h 49 min
